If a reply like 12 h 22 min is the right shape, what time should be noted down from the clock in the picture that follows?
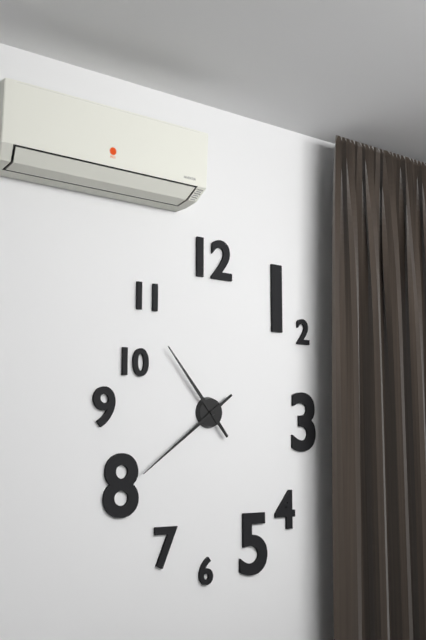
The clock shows 10 h 39 min
